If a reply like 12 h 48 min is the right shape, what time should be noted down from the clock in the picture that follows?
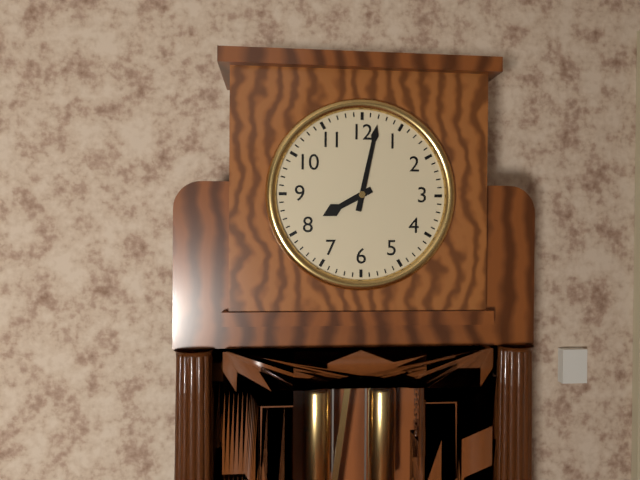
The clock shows 8 h 02 min
